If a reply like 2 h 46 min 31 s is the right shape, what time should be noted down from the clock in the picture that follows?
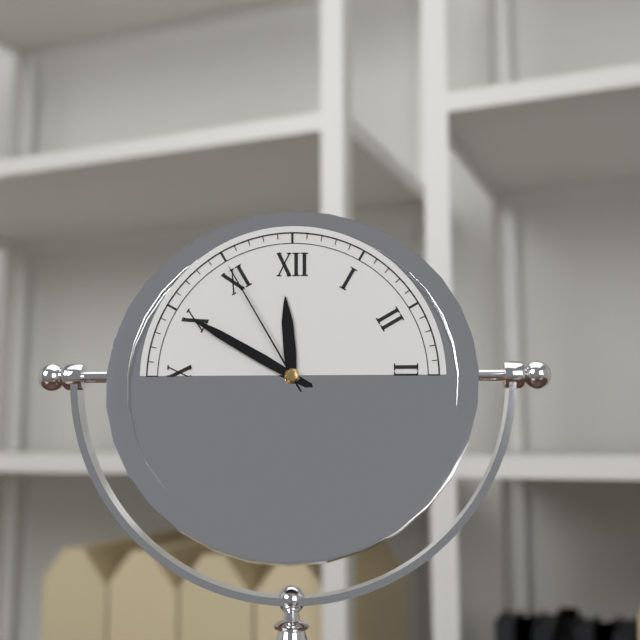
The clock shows 11 h 50 min 55 s
